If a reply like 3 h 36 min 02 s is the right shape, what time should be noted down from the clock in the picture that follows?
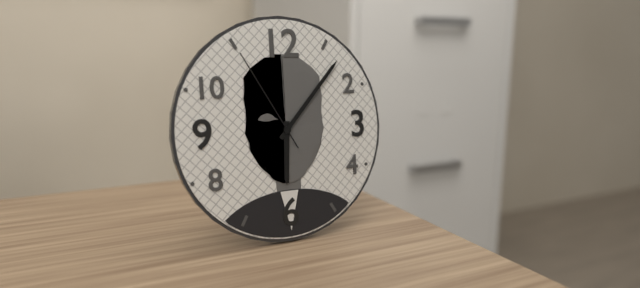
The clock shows 6 h 07 min 55 s
